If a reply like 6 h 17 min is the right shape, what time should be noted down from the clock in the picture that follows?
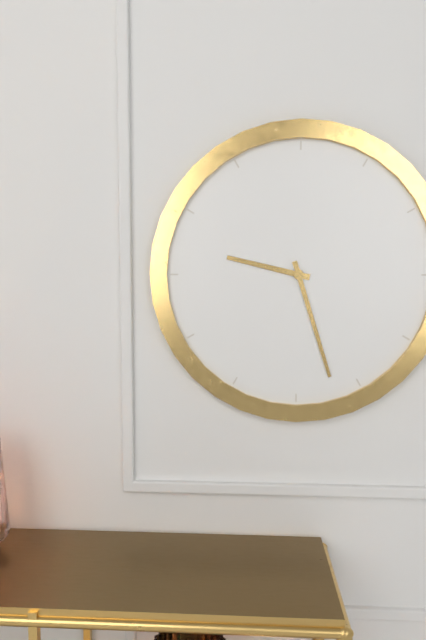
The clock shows 9 h 27 min
